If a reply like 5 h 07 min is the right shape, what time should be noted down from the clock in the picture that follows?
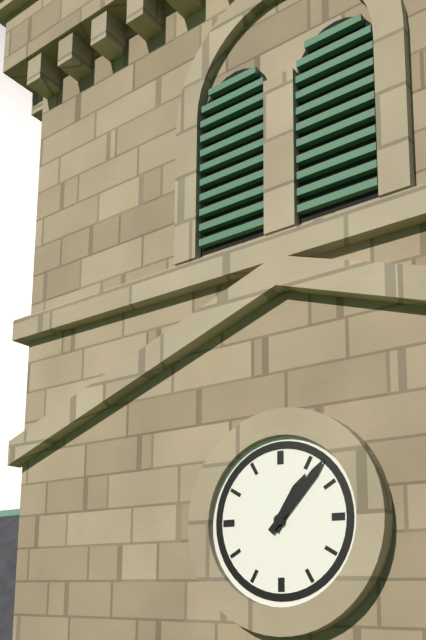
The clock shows 1 h 07 min
